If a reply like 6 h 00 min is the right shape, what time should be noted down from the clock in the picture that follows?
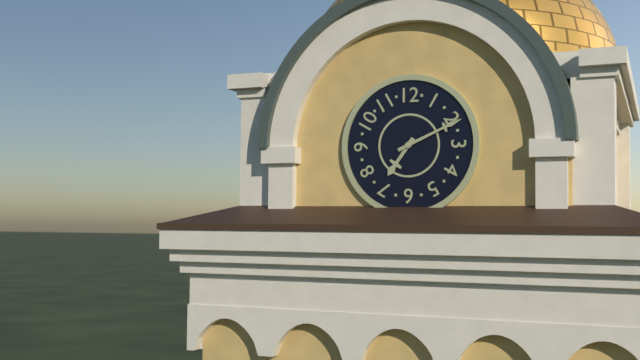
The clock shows 7 h 11 min
